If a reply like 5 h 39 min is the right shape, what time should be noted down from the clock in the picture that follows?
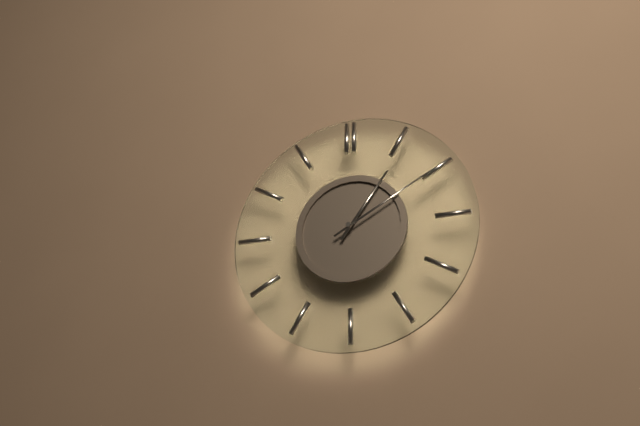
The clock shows 1 h 10 min
